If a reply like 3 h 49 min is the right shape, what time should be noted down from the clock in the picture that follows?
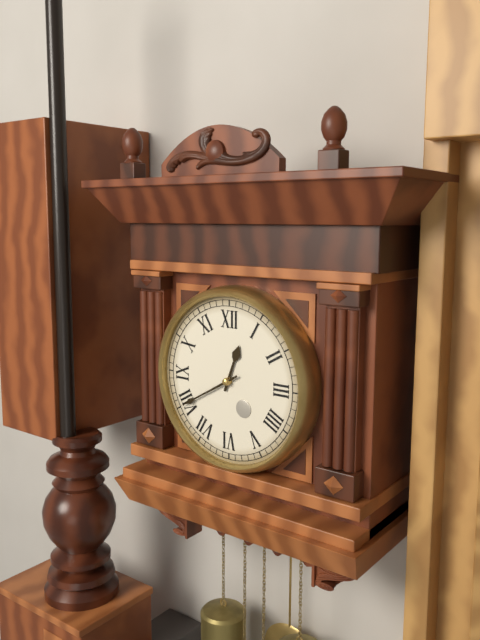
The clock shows 12 h 40 min
